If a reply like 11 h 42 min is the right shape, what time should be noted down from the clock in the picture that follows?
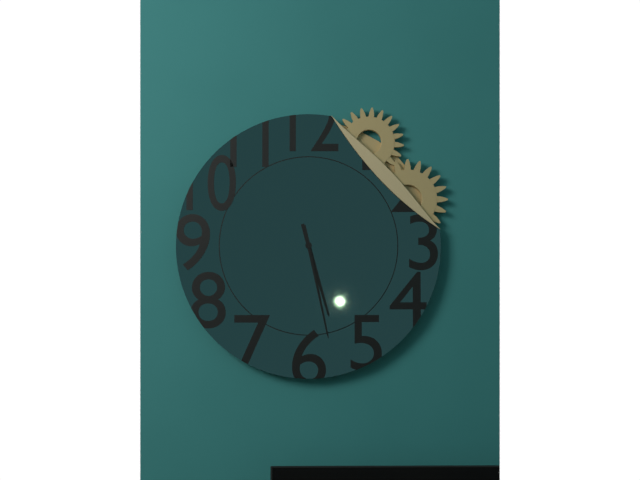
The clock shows 5 h 28 min
